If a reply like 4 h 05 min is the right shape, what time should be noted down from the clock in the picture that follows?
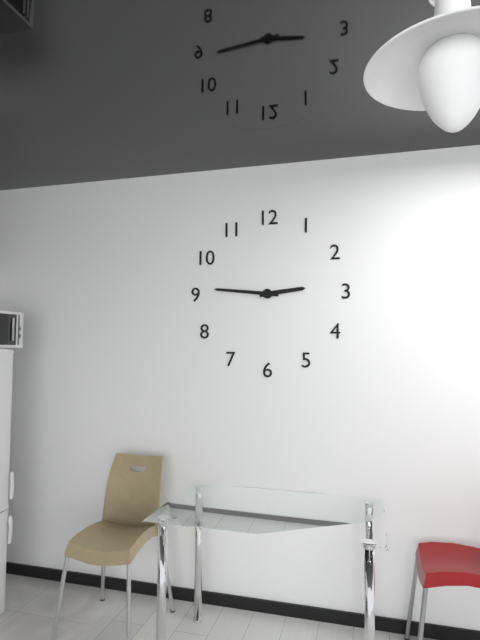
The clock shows 2 h 46 min
